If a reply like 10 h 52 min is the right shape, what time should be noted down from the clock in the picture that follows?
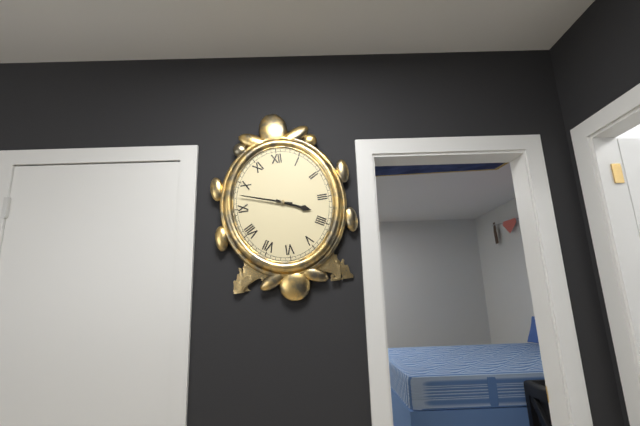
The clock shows 3 h 48 min
